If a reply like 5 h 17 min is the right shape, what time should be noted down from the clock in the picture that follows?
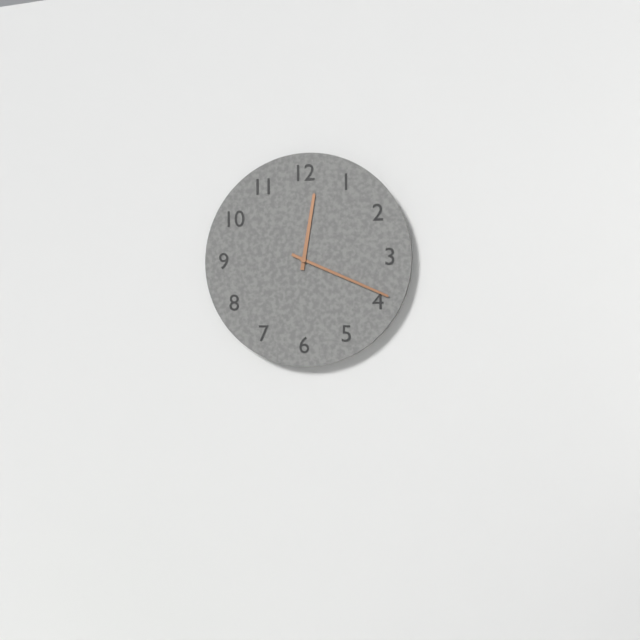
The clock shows 12 h 19 min
